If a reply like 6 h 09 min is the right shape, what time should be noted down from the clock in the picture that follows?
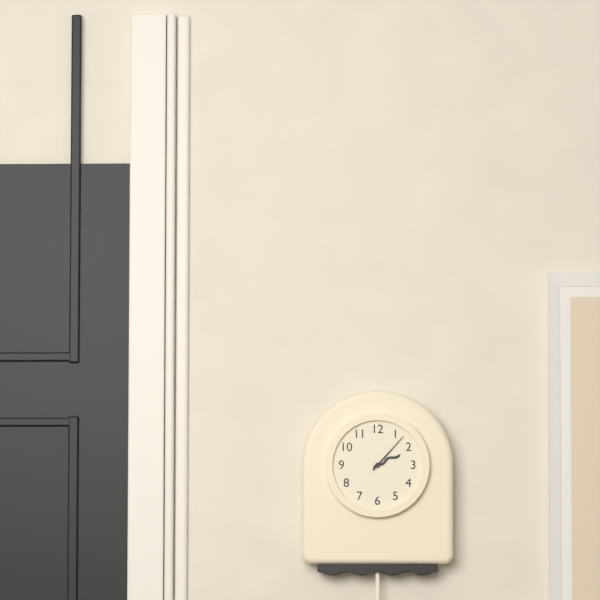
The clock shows 2 h 07 min
